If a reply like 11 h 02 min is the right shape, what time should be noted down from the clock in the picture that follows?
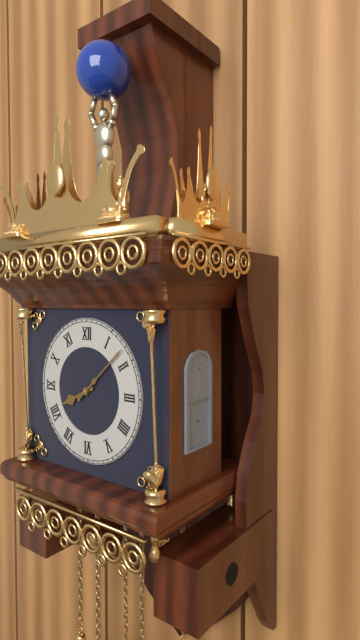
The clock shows 8 h 08 min
